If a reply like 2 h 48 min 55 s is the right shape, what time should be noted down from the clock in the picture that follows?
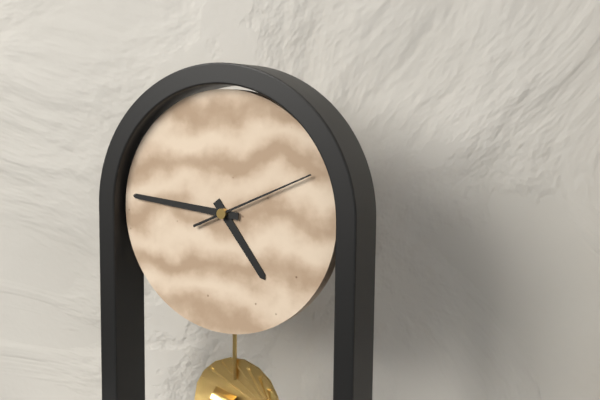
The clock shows 4 h 46 min 11 s
